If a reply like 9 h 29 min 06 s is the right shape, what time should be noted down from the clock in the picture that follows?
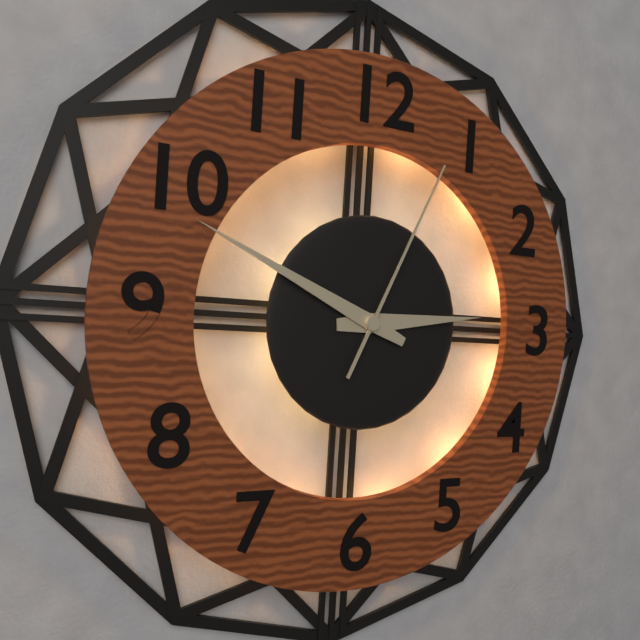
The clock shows 2 h 49 min 04 s
